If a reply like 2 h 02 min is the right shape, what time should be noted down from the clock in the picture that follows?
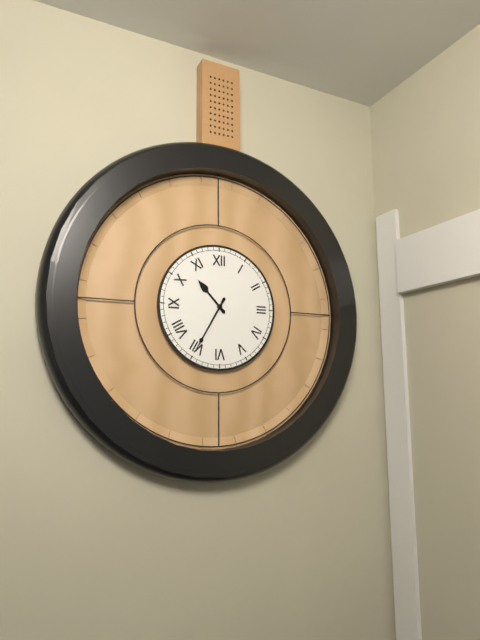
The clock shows 10 h 35 min
